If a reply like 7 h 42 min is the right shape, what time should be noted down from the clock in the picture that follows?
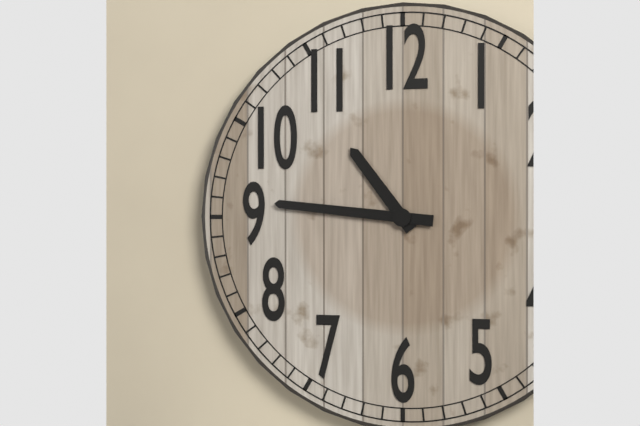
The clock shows 10 h 46 min
